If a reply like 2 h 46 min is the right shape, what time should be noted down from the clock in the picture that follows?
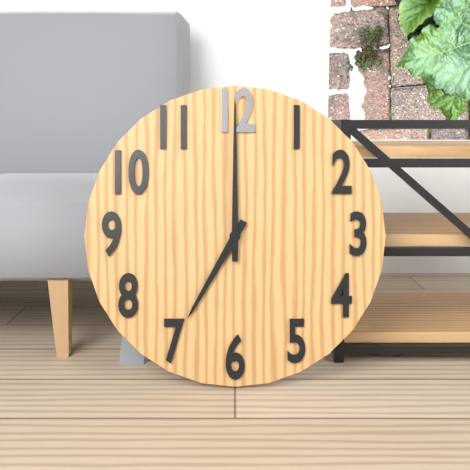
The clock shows 7 h 00 min
